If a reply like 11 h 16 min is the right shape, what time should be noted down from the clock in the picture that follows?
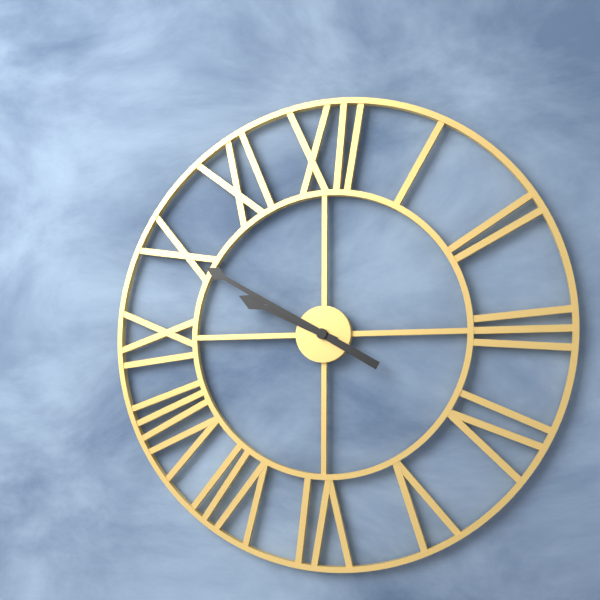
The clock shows 9 h 50 min
